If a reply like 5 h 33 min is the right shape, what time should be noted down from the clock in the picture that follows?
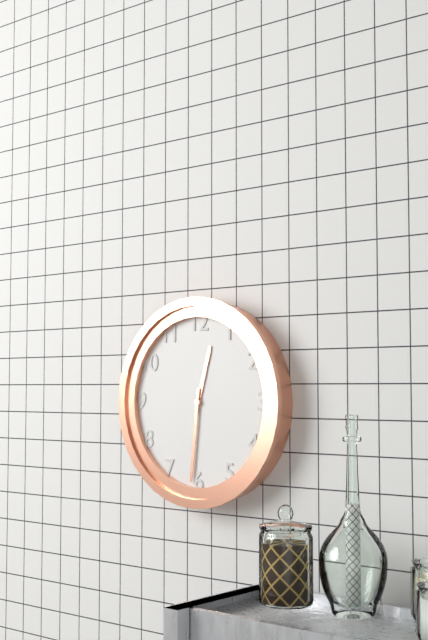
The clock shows 12 h 31 min
